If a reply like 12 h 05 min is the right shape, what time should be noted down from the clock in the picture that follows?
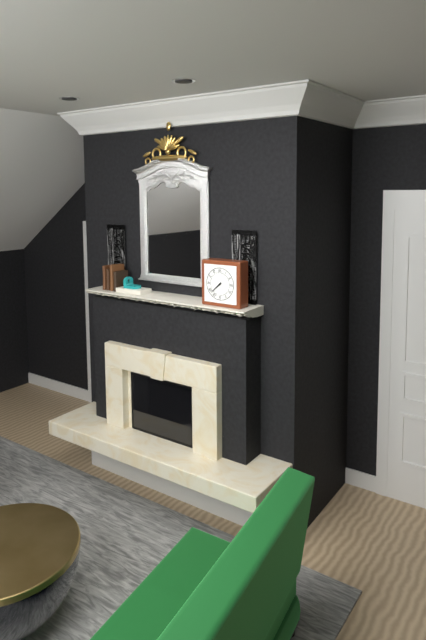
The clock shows 7 h 38 min
